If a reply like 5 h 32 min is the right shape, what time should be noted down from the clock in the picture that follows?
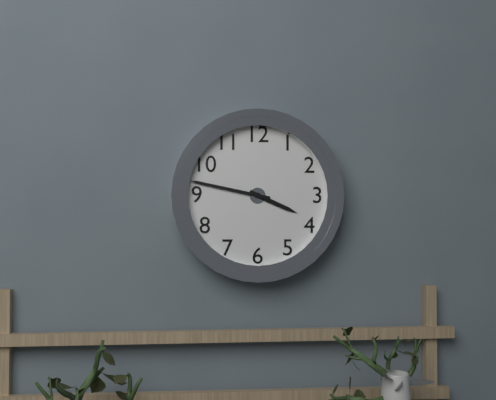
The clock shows 3 h 47 min
